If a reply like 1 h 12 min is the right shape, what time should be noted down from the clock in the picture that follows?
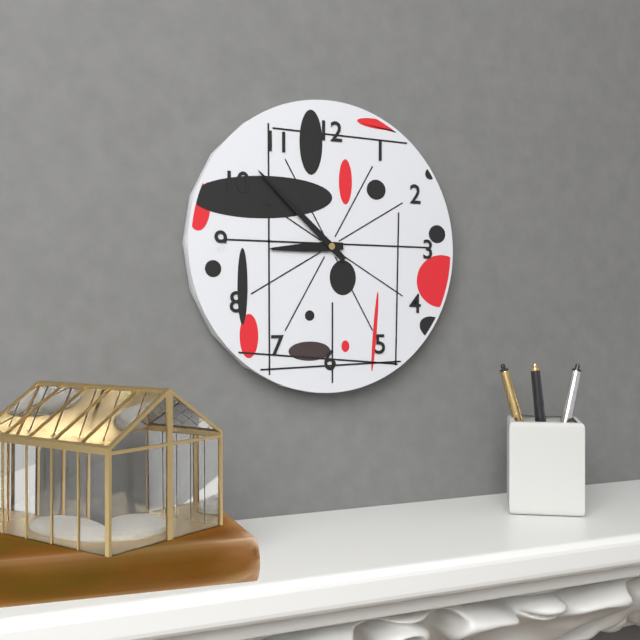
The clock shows 8 h 52 min
